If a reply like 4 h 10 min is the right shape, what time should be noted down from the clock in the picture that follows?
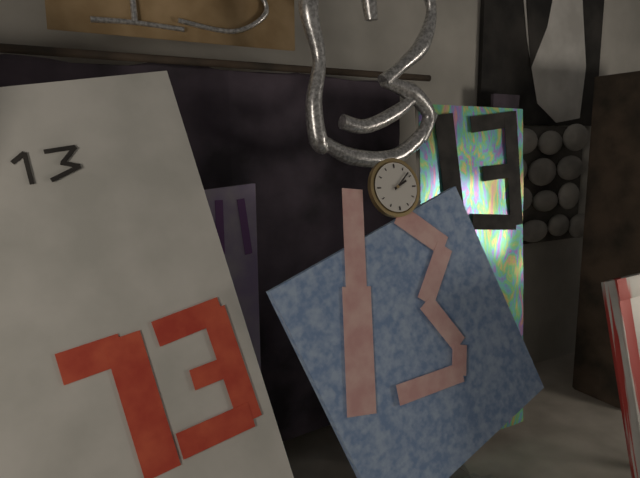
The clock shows 2 h 08 min
